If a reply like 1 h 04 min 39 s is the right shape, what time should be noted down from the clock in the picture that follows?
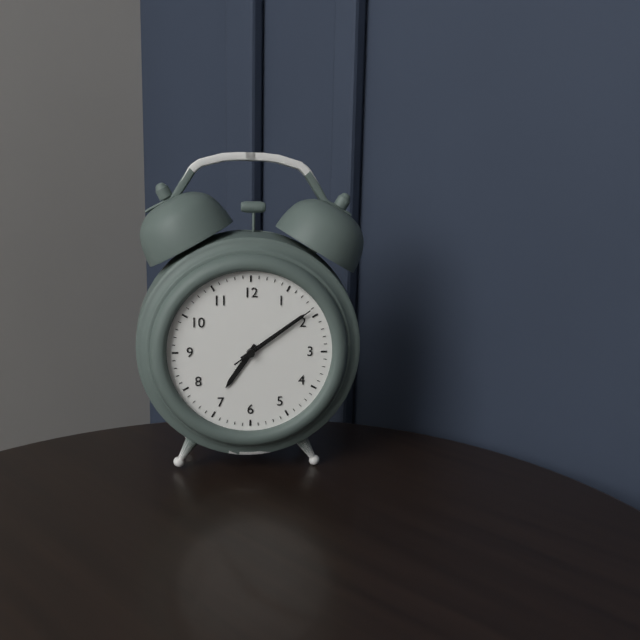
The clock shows 7 h 09 min 09 s
